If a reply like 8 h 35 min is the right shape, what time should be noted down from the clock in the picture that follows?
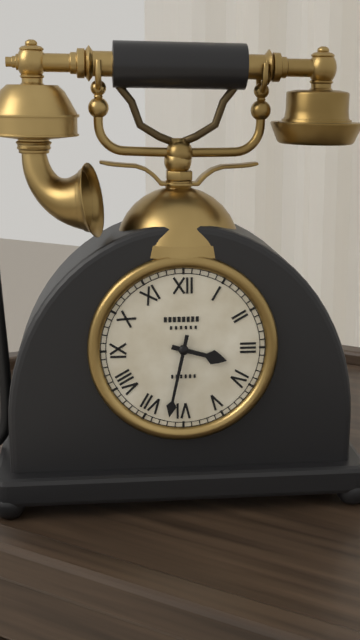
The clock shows 3 h 32 min
